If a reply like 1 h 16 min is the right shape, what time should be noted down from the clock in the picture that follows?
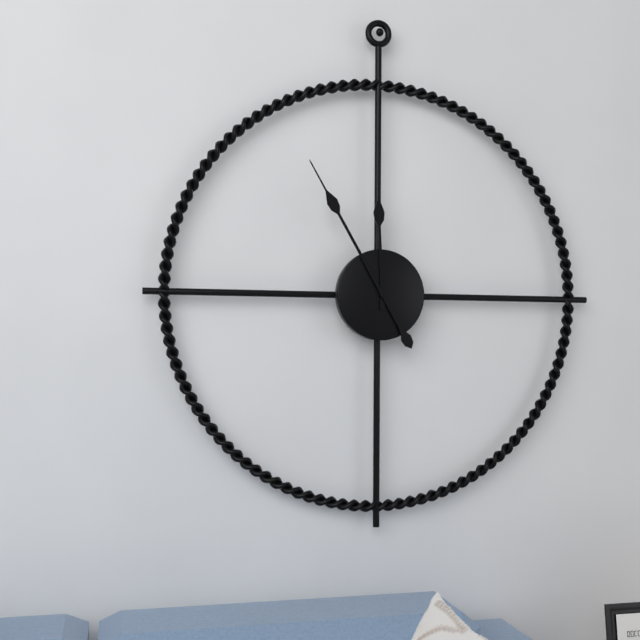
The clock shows 11 h 55 min
